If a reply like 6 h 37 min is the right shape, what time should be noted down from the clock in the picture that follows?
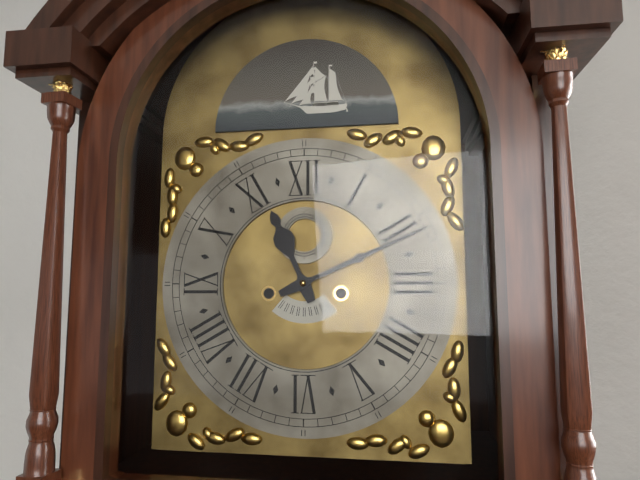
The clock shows 11 h 11 min
